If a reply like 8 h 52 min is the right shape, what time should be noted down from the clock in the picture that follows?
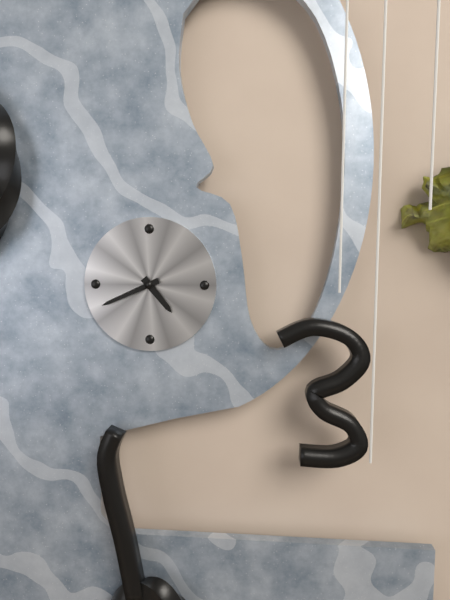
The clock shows 4 h 41 min
